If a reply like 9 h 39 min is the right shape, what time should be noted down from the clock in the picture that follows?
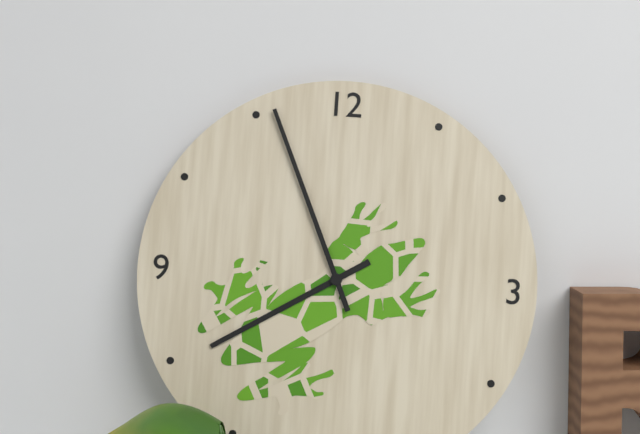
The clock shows 7 h 56 min
